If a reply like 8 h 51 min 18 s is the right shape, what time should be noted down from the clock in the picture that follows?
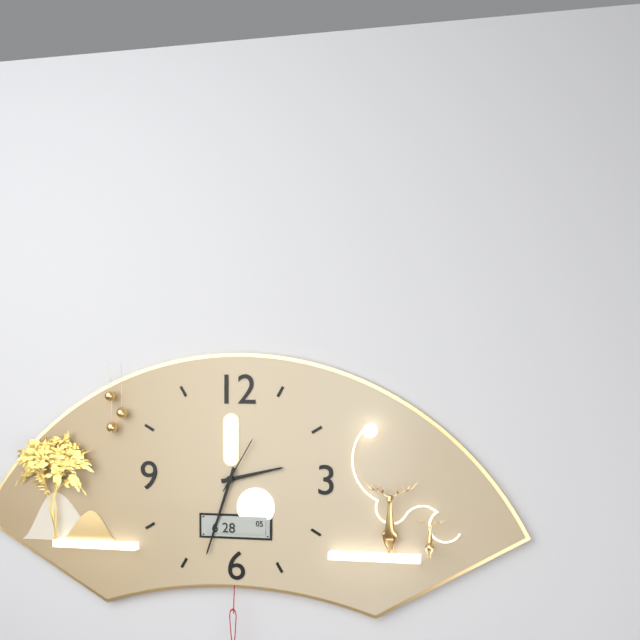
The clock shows 2 h 33 min 05 s
